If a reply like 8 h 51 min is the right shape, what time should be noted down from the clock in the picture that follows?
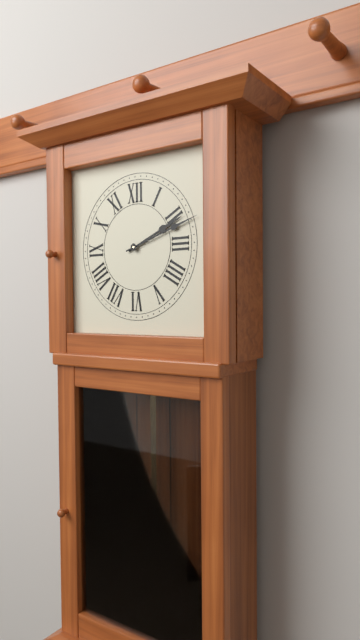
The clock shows 2 h 12 min
